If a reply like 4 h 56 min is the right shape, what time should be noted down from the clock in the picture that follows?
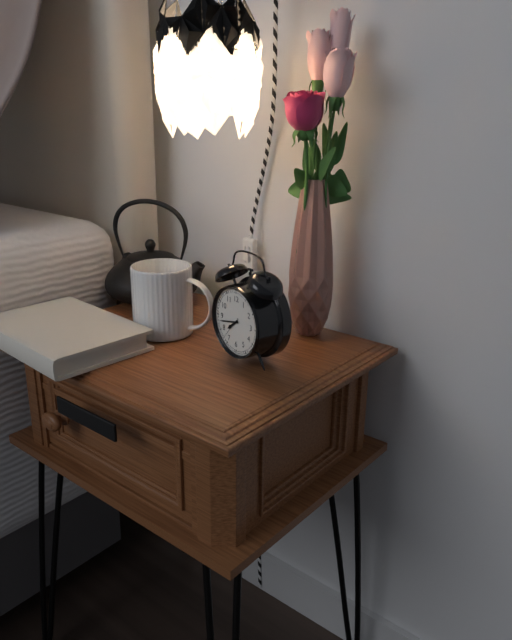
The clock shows 7 h 43 min
